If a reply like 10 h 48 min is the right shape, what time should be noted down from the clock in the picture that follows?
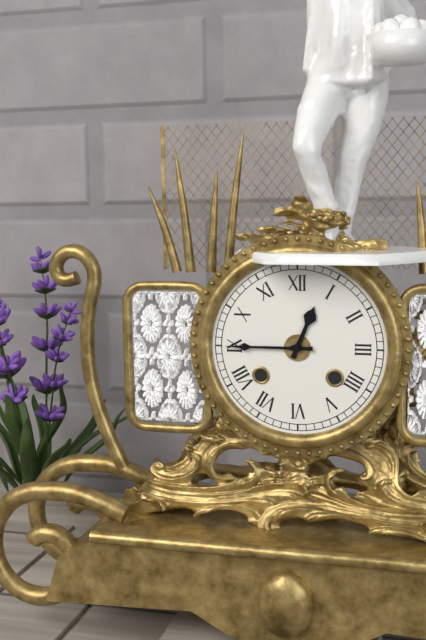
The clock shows 12 h 45 min
